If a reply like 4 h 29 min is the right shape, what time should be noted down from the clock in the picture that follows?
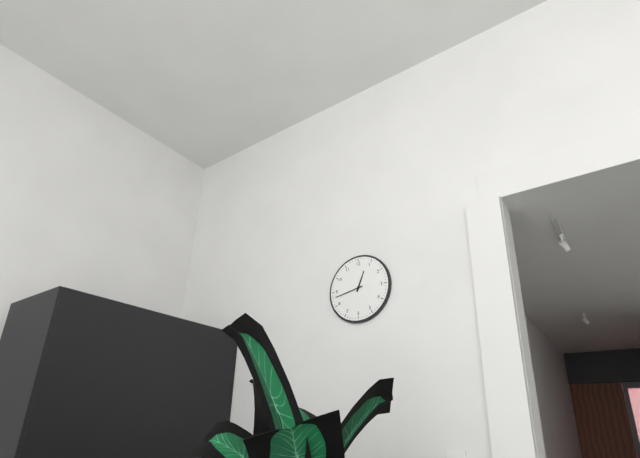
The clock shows 12 h 43 min
